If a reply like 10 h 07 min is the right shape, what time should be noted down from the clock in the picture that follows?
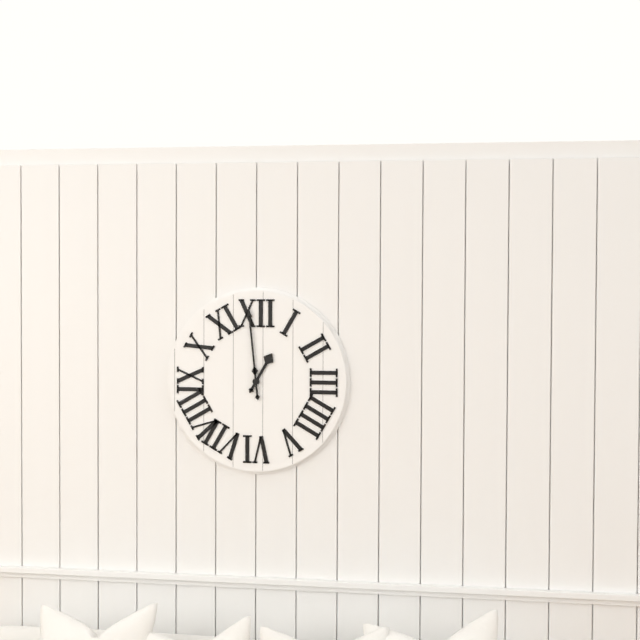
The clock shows 12 h 59 min
